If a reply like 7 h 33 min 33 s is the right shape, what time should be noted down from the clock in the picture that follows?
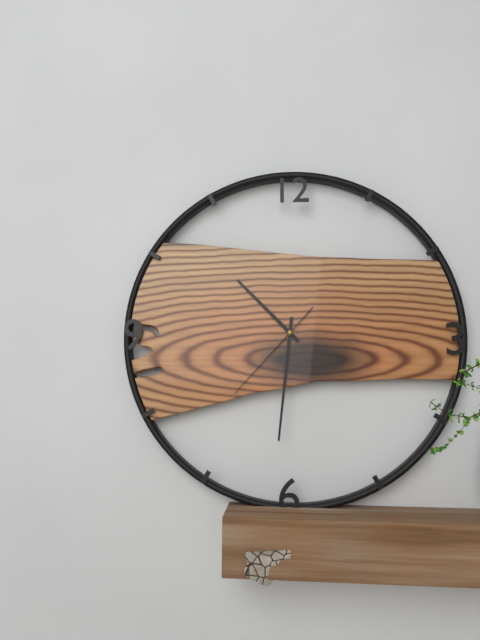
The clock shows 10 h 31 min 37 s
